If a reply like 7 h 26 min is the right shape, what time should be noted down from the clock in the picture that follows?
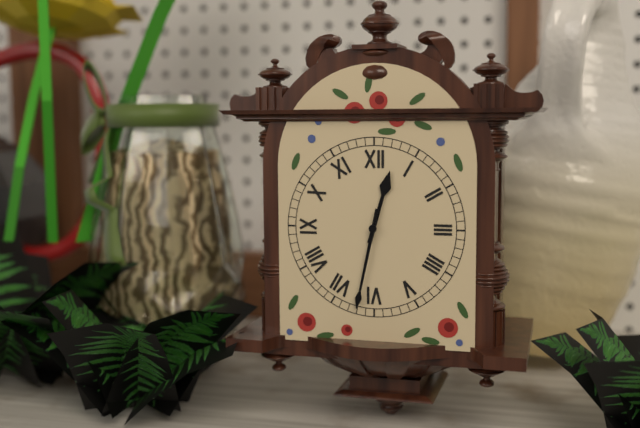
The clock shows 12 h 32 min
